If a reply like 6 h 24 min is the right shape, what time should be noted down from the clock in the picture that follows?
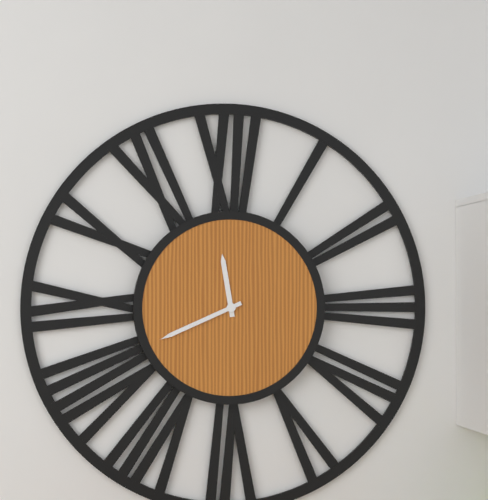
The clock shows 11 h 41 min
